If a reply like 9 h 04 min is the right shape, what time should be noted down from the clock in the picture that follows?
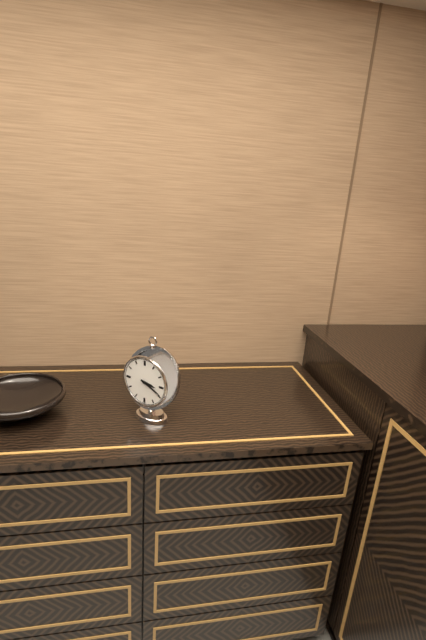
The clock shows 3 h 19 min
